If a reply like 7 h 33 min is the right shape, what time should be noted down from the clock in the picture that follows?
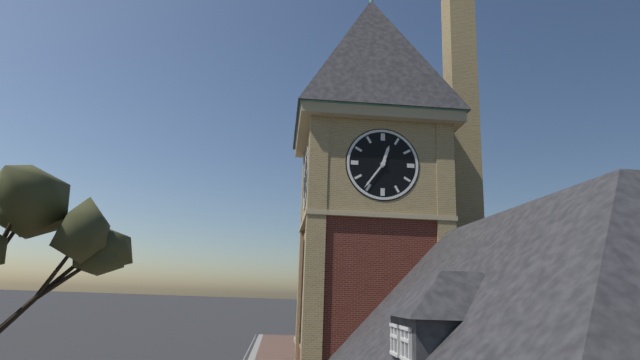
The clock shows 12 h 36 min
